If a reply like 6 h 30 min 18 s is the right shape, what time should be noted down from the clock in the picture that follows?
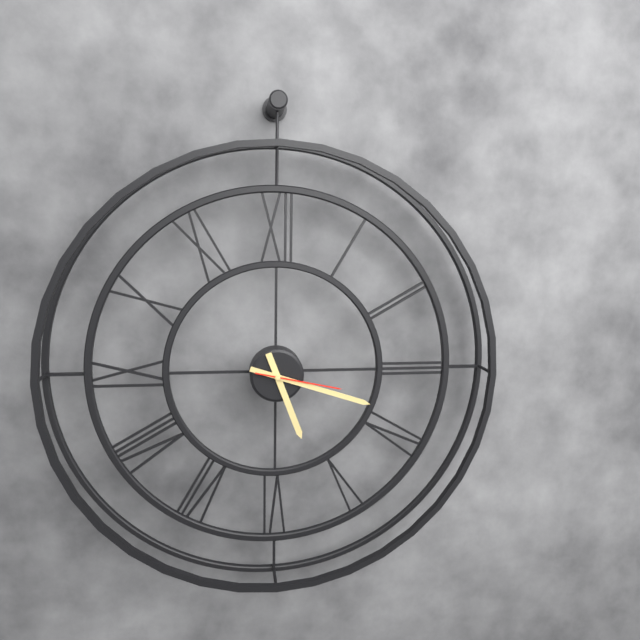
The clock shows 5 h 18 min 17 s
